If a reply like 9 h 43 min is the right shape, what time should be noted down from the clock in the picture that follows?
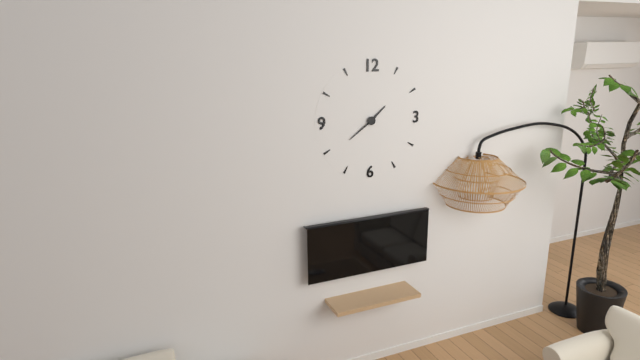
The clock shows 1 h 39 min
